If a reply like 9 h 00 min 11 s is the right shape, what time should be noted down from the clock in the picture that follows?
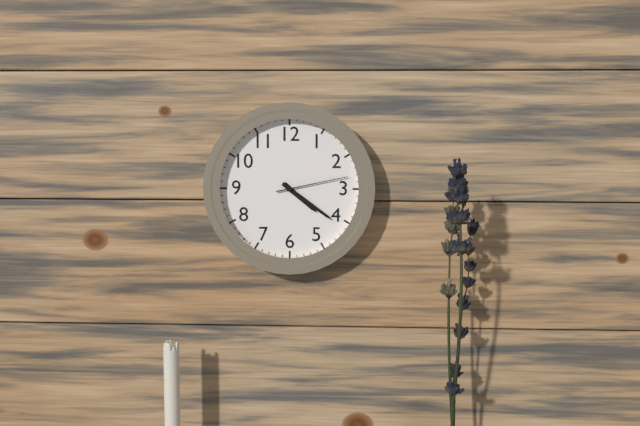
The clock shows 4 h 21 min 13 s
